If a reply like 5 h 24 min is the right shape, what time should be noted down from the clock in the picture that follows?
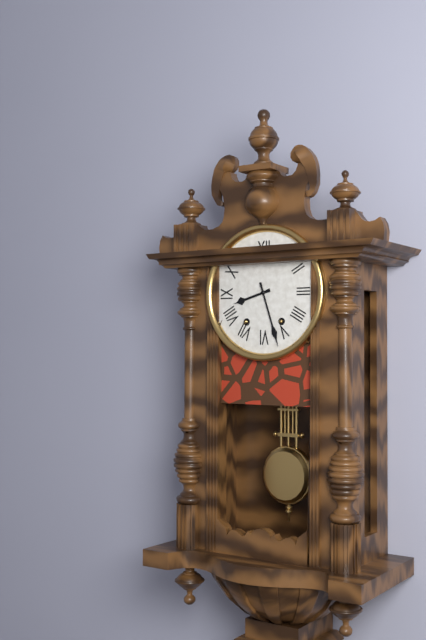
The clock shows 8 h 27 min
